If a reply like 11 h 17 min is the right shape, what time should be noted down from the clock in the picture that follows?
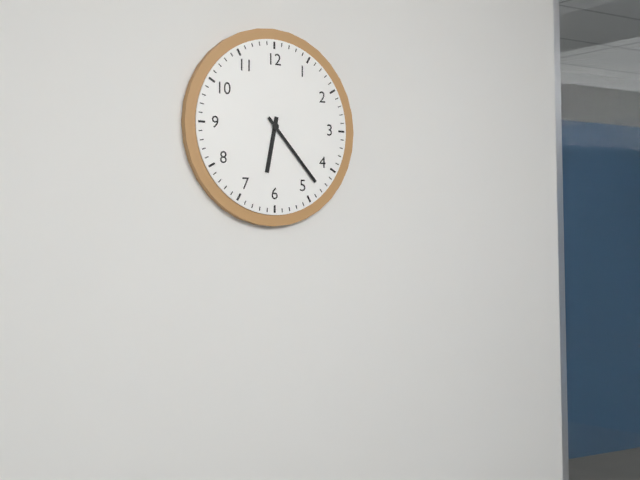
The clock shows 6 h 23 min
